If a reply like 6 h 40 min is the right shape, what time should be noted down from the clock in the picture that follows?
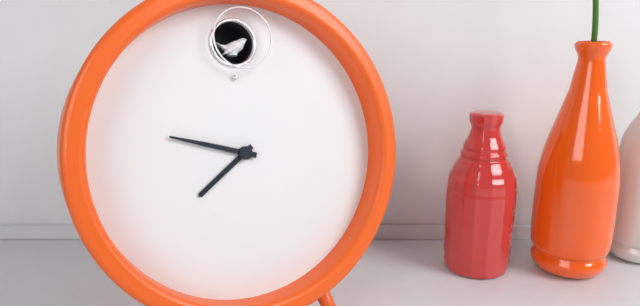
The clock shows 7 h 48 min
